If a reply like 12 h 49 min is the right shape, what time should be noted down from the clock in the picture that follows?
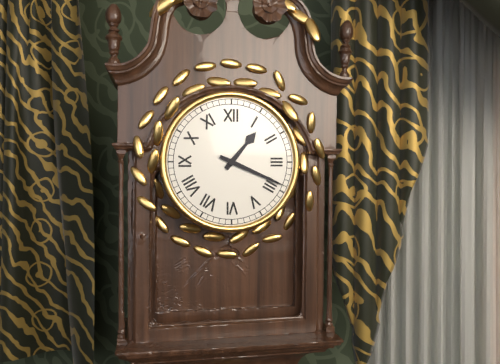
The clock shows 1 h 19 min
